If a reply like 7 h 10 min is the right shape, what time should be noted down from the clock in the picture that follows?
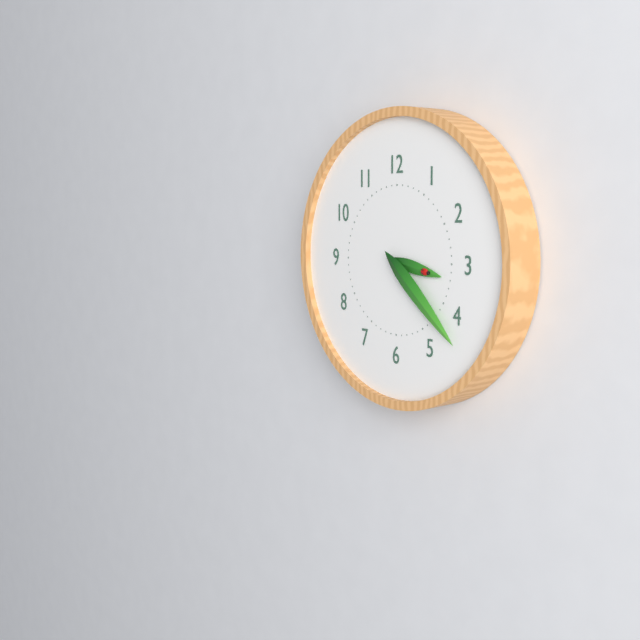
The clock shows 3 h 22 min
